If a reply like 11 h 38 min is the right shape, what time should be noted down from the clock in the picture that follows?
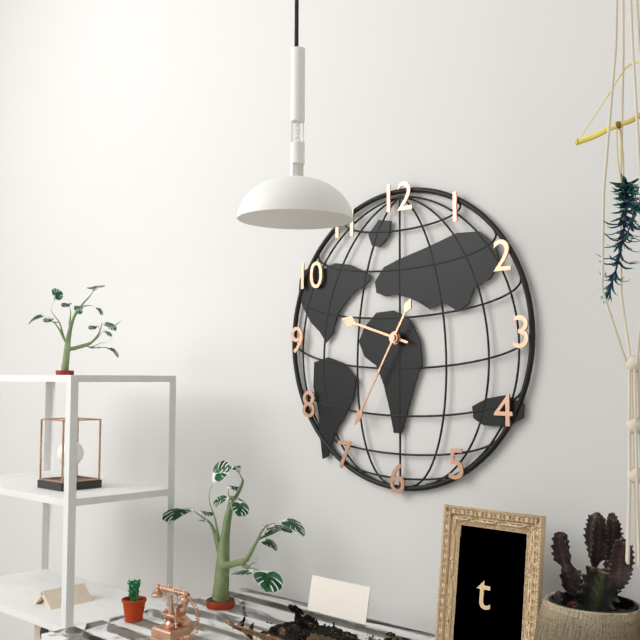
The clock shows 9 h 35 min
